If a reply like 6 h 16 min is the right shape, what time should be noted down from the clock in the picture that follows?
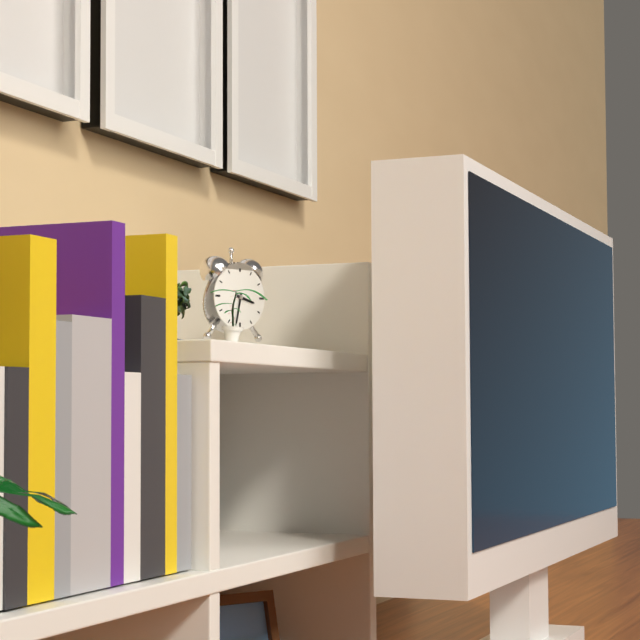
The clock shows 3 h 32 min
